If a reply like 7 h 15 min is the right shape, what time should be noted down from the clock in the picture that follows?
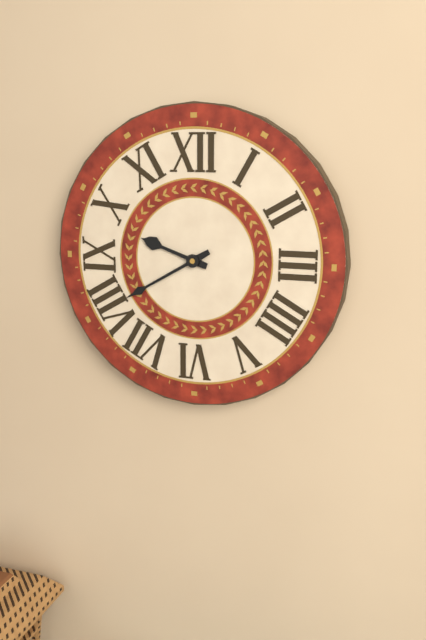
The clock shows 9 h 40 min
